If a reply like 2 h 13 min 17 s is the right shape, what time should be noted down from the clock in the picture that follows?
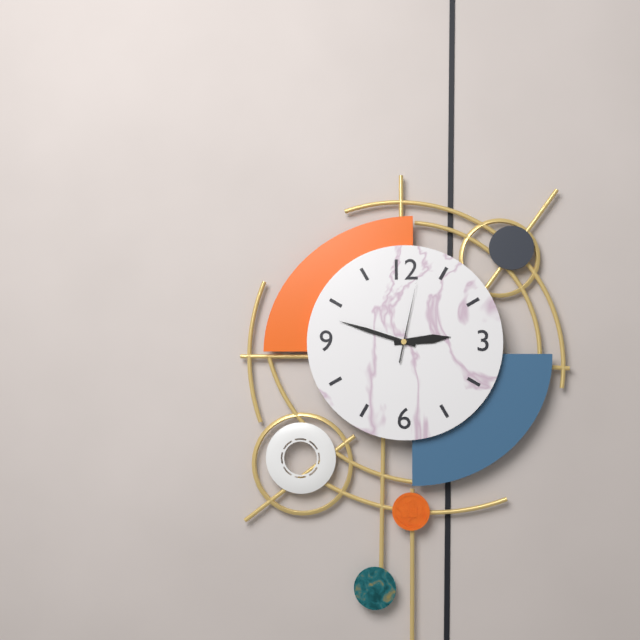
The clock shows 2 h 48 min 02 s
